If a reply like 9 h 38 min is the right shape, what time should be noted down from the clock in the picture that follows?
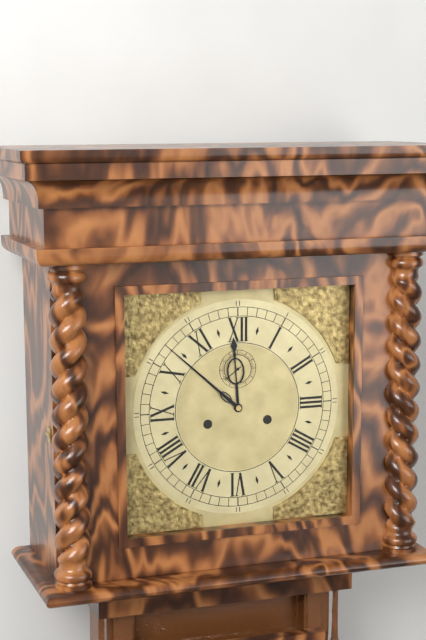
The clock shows 11 h 52 min
